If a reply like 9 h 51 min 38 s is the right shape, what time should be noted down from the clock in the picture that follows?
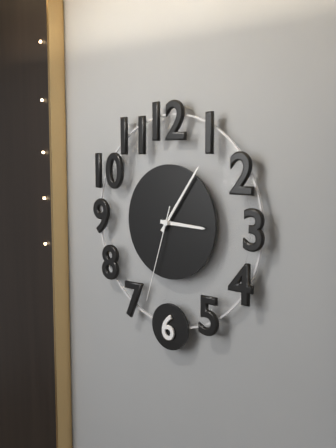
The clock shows 3 h 06 min 33 s
